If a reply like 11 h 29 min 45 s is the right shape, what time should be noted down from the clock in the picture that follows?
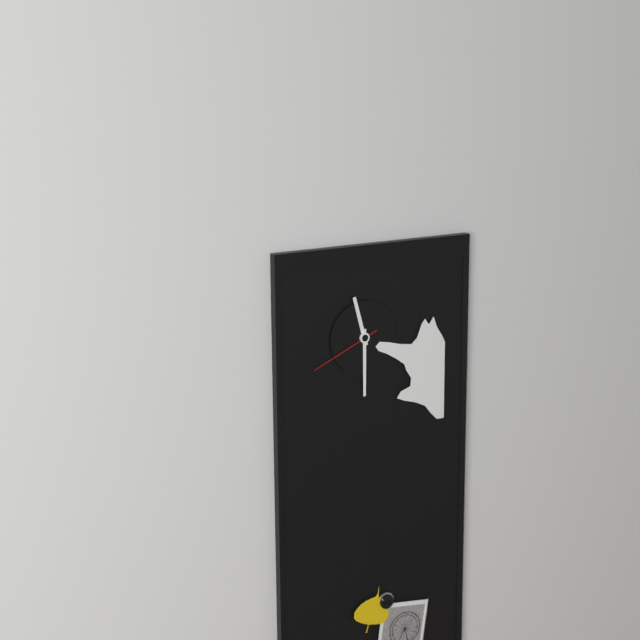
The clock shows 11 h 30 min 41 s
